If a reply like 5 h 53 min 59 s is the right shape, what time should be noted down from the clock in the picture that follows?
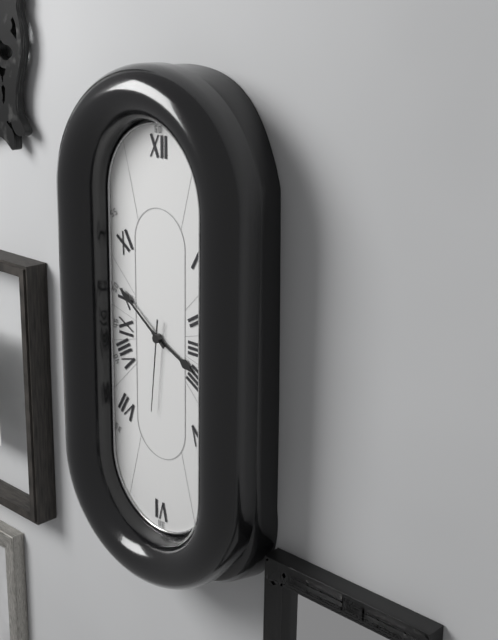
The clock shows 3 h 51 min 31 s
